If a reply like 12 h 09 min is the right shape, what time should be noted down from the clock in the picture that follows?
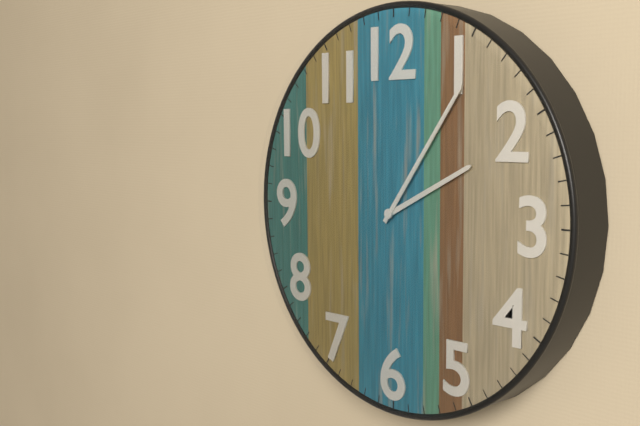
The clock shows 2 h 06 min
